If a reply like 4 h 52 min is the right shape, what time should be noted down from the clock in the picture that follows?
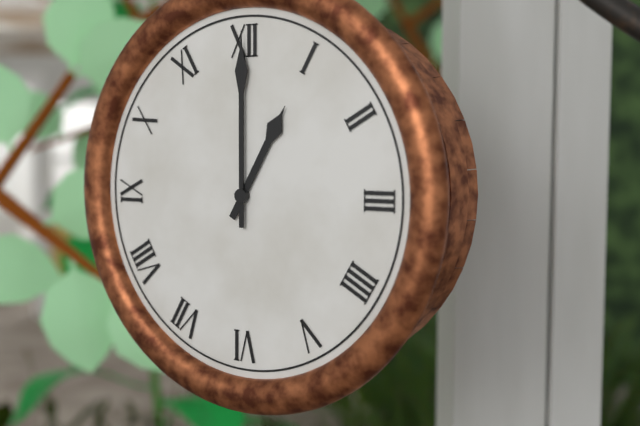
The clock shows 1 h 00 min
